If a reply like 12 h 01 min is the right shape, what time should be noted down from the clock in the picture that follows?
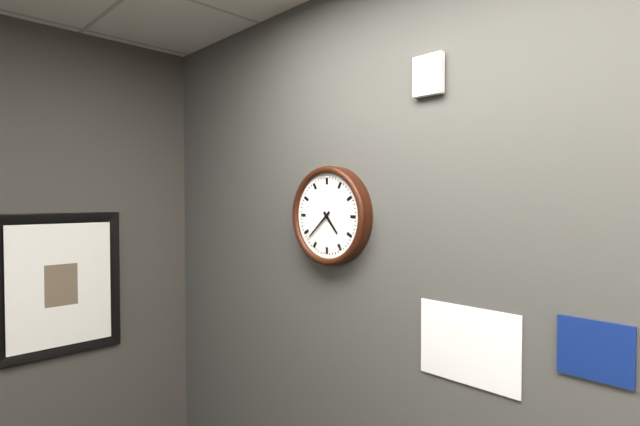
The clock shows 4 h 38 min
